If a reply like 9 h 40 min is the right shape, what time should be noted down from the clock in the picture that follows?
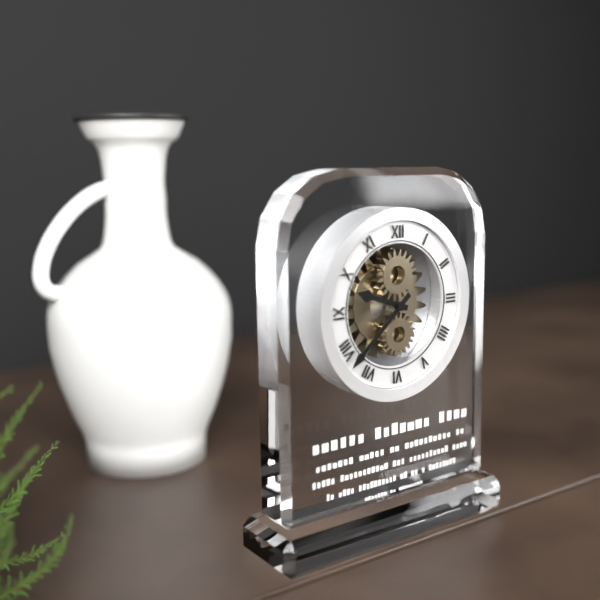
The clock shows 9 h 38 min
